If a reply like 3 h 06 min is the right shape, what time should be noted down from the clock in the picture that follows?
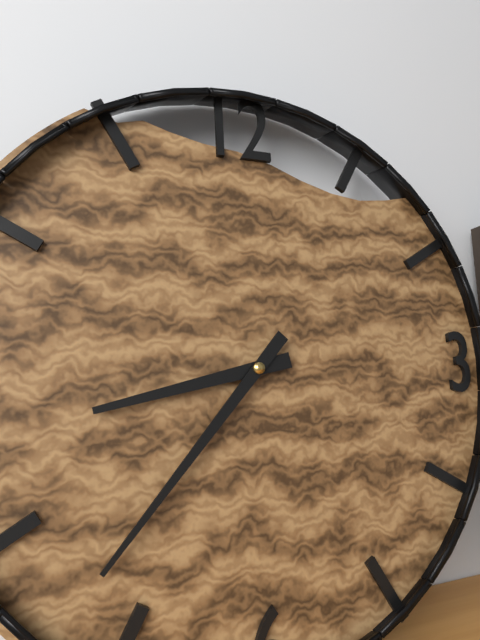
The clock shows 8 h 37 min
